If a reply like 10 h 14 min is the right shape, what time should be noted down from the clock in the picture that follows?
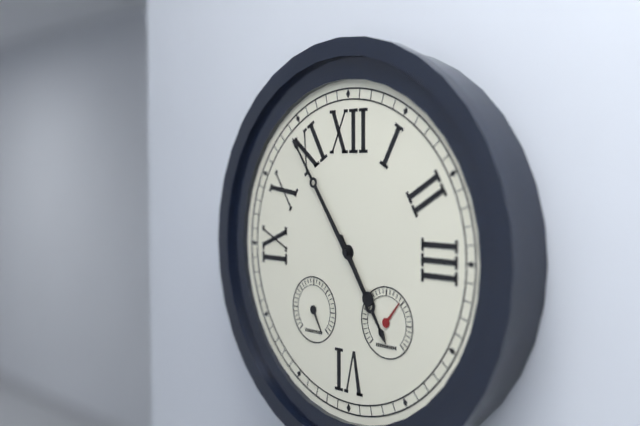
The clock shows 4 h 54 min
